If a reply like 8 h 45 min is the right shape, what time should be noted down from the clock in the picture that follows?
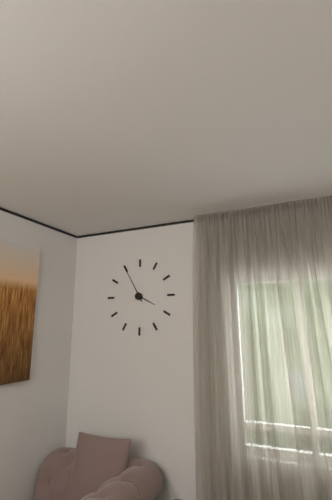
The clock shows 3 h 55 min
